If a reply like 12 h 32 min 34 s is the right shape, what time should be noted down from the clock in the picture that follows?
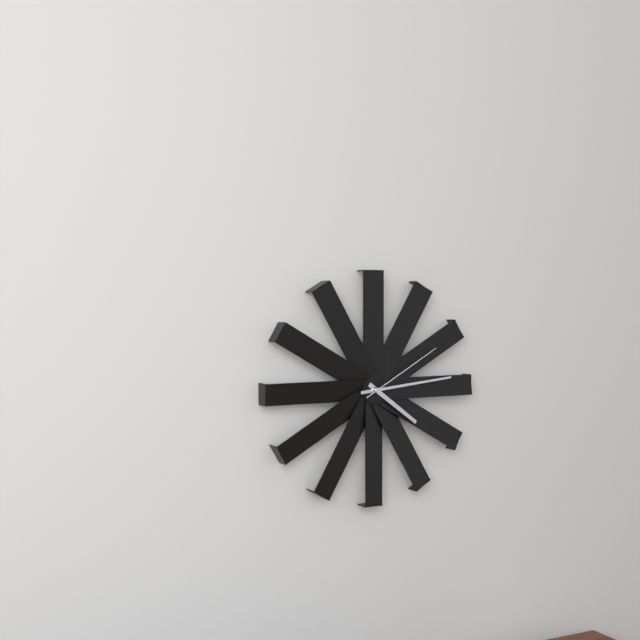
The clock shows 4 h 14 min 10 s
